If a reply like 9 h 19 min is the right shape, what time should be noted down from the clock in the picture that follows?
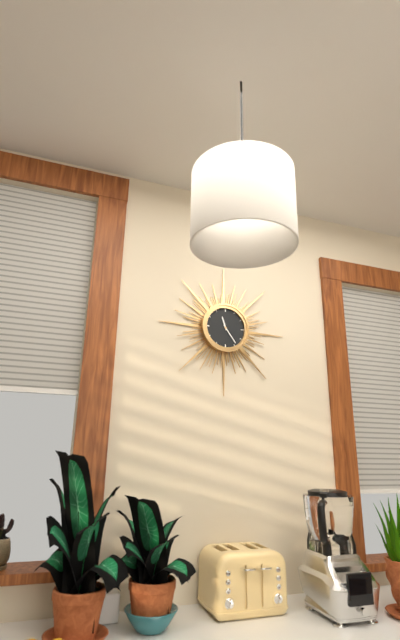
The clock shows 11 h 24 min
